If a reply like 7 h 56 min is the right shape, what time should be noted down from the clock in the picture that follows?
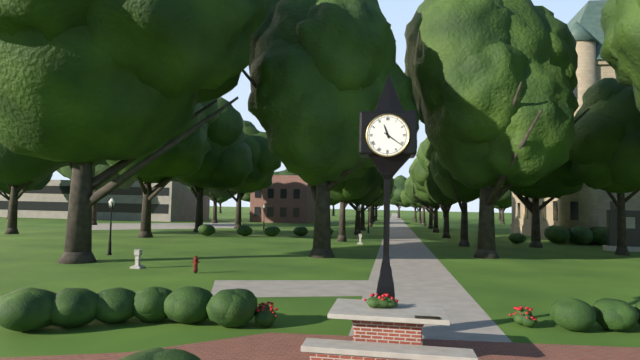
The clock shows 11 h 21 min
